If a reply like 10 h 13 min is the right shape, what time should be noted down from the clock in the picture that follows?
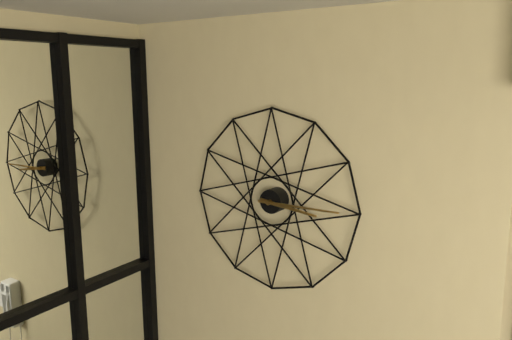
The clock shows 3 h 15 min
